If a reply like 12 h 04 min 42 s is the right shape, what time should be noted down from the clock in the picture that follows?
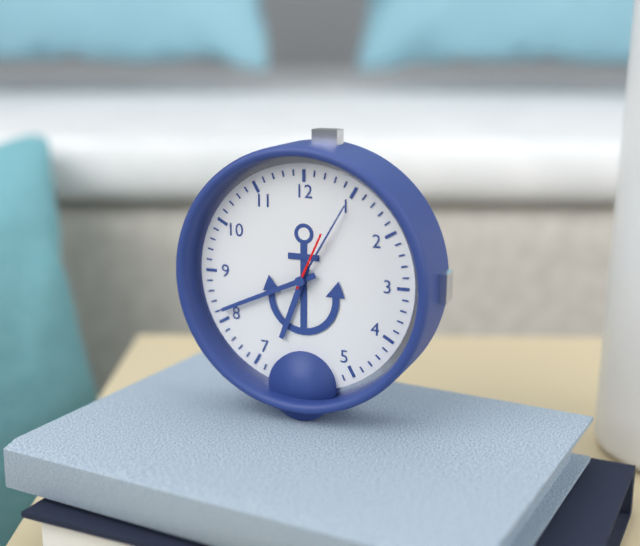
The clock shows 6 h 41 min 04 s
